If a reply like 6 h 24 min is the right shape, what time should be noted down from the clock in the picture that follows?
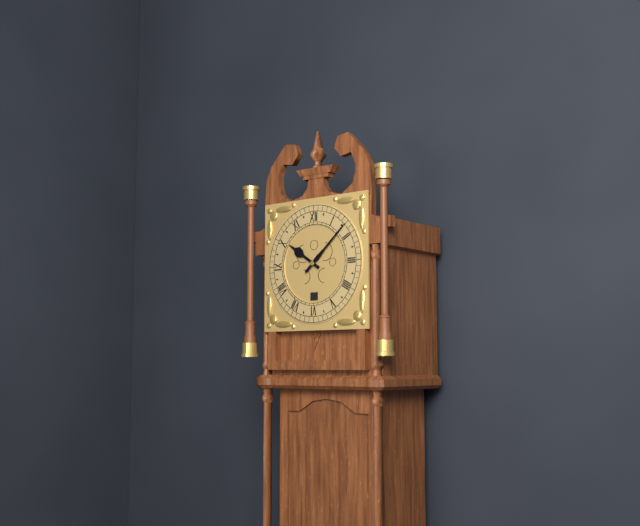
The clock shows 10 h 08 min
